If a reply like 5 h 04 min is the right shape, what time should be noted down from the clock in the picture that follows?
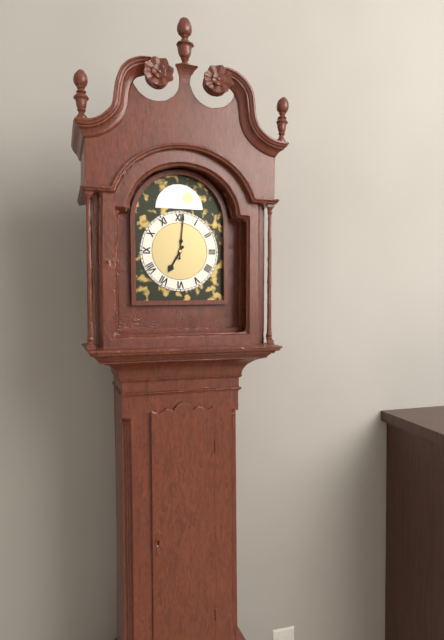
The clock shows 7 h 01 min
